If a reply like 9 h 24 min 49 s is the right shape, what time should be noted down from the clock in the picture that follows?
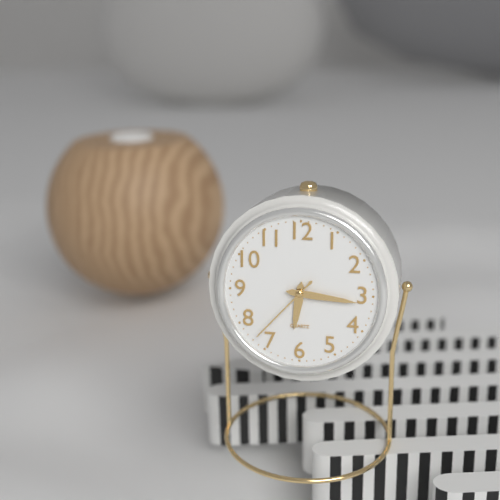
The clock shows 6 h 16 min 37 s
